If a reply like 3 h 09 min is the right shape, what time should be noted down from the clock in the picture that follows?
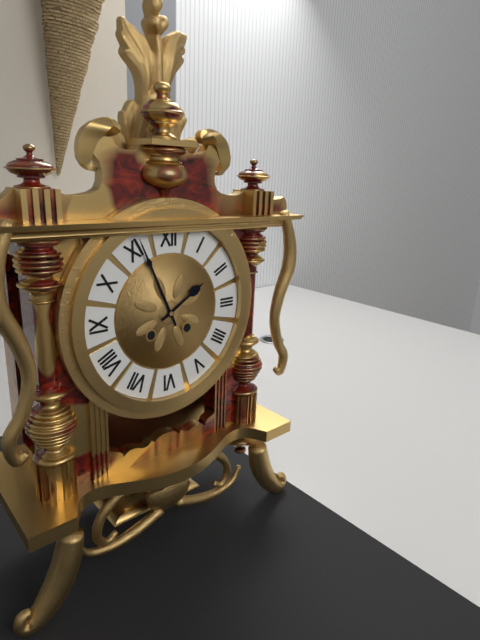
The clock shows 1 h 56 min
